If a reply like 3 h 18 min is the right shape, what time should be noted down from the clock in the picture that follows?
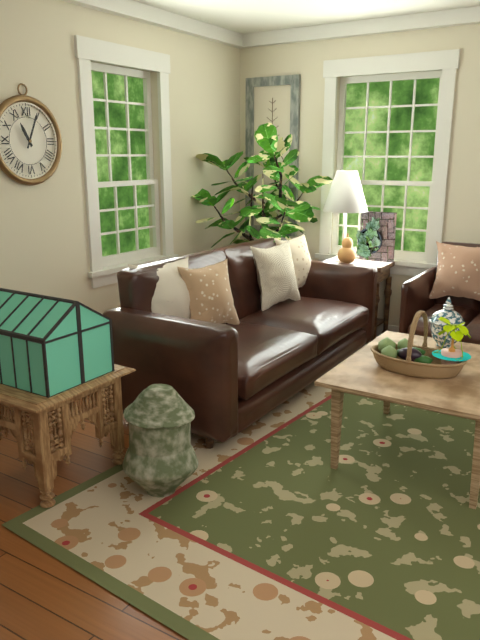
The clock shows 11 h 04 min
